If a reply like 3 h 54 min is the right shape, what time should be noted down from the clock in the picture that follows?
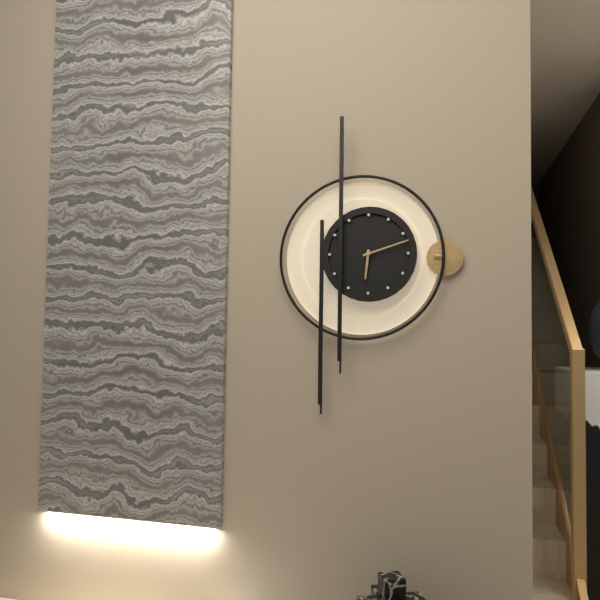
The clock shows 6 h 12 min
